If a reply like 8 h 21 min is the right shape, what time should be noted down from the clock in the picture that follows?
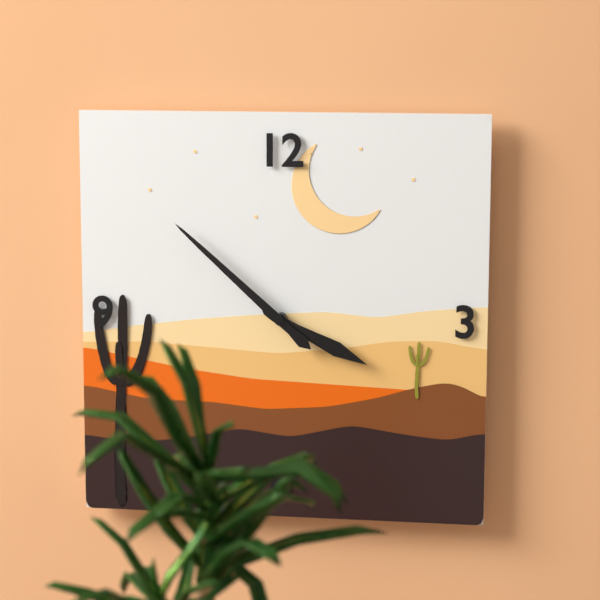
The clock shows 3 h 52 min
